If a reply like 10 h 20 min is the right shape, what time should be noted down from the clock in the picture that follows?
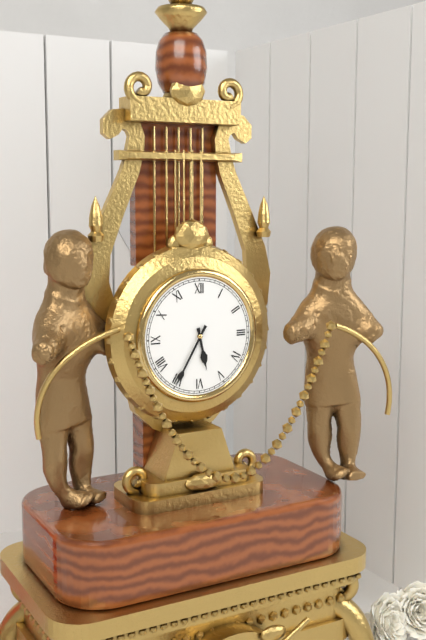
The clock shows 5 h 35 min
